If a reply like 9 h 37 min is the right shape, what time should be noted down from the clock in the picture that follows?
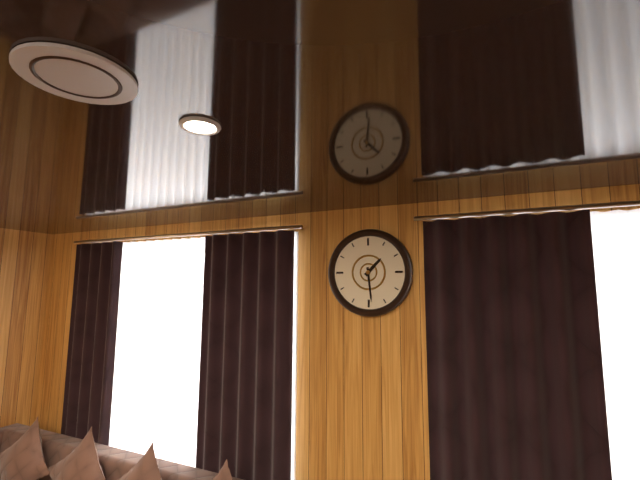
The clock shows 1 h 29 min
